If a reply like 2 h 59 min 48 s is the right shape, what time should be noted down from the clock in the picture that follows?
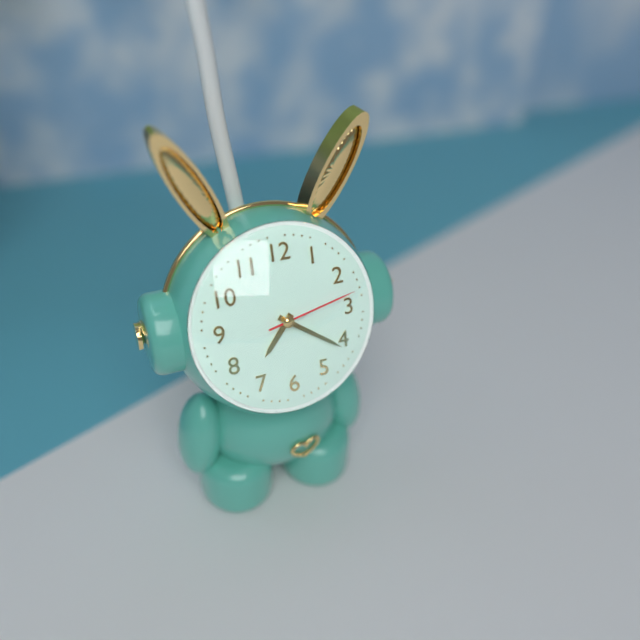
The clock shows 7 h 21 min 13 s
